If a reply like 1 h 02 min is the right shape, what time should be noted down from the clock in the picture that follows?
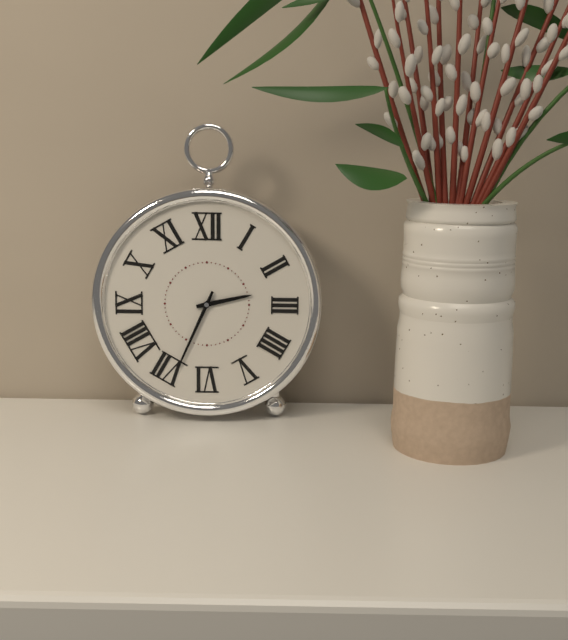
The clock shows 2 h 34 min
